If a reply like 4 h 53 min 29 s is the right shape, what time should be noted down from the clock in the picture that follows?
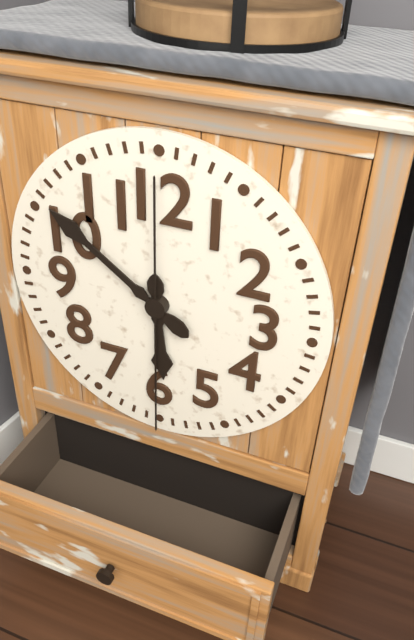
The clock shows 5 h 51 min 30 s
